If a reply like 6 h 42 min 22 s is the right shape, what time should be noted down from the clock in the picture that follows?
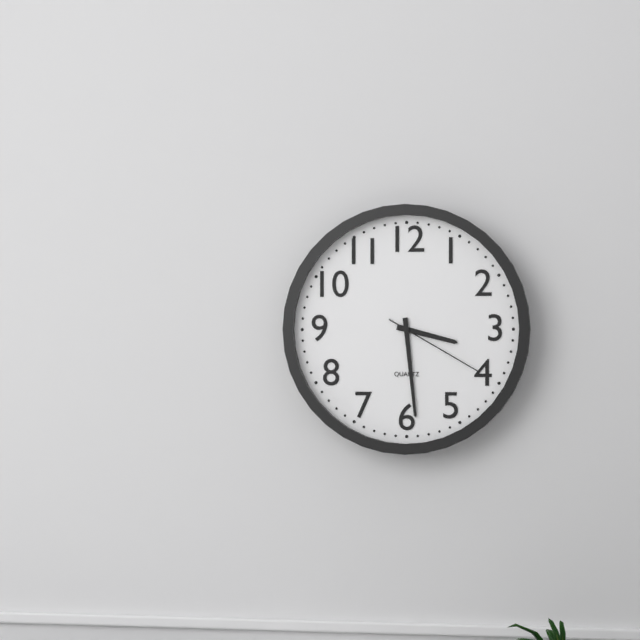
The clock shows 3 h 29 min 20 s
